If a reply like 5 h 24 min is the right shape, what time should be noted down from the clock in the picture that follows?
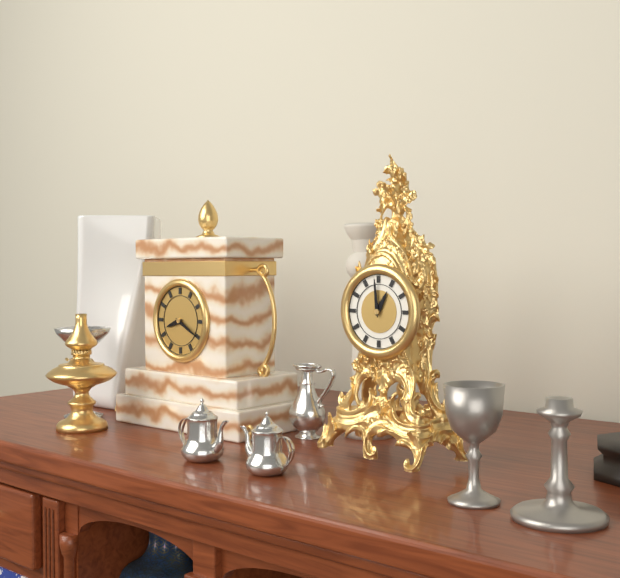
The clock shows 12 h 59 min
